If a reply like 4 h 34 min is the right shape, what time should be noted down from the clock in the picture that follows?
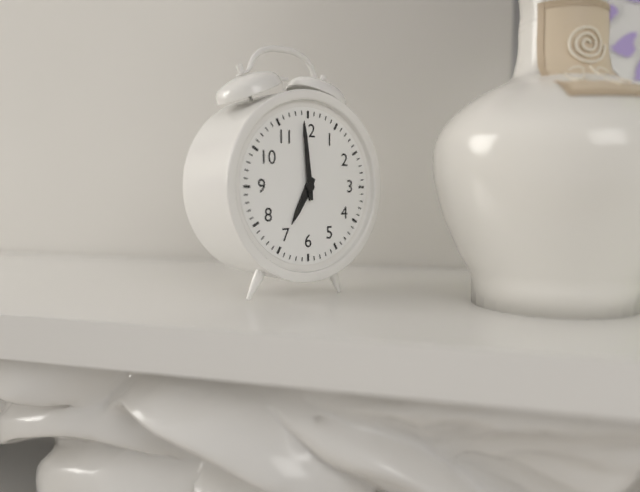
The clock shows 6 h 59 min
